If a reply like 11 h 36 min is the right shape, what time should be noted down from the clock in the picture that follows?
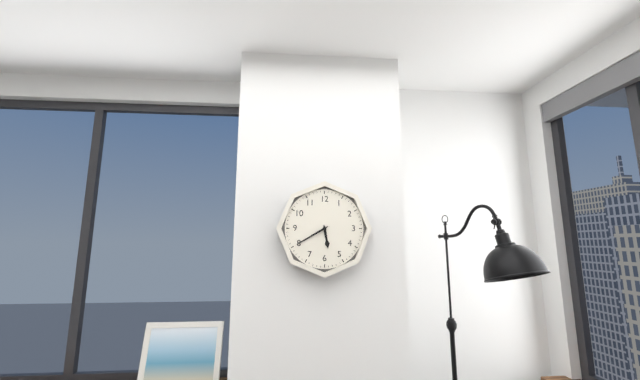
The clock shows 5 h 40 min
